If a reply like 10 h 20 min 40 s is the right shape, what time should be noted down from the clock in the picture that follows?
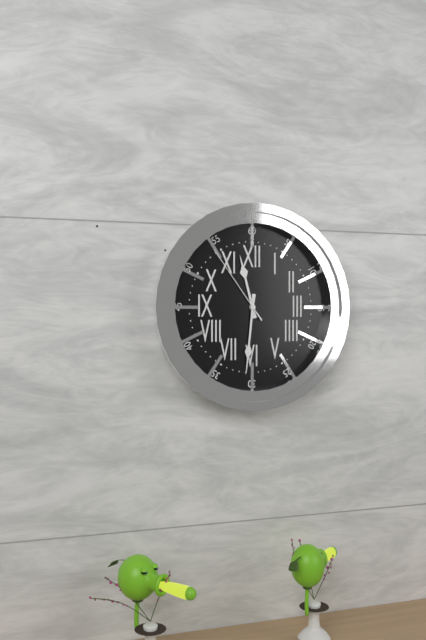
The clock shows 11 h 31 min 54 s
